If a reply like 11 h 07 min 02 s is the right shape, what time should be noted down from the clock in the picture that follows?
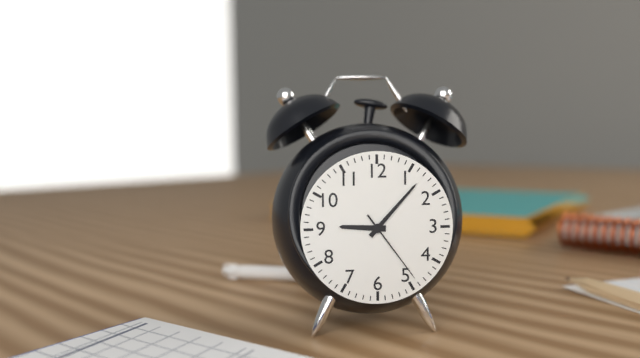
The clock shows 9 h 07 min 24 s
